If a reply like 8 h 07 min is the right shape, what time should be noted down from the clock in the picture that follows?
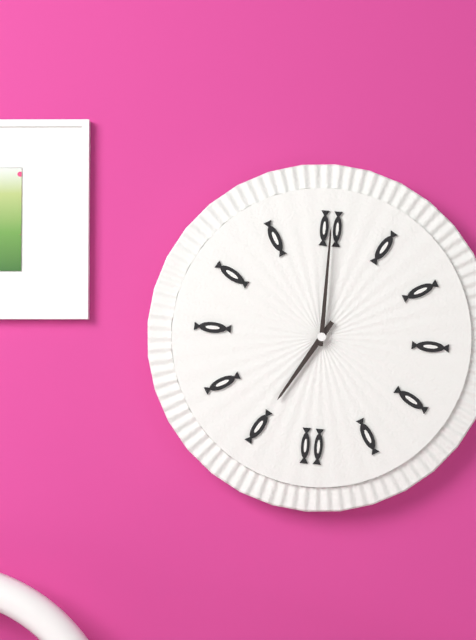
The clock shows 7 h 00 min
